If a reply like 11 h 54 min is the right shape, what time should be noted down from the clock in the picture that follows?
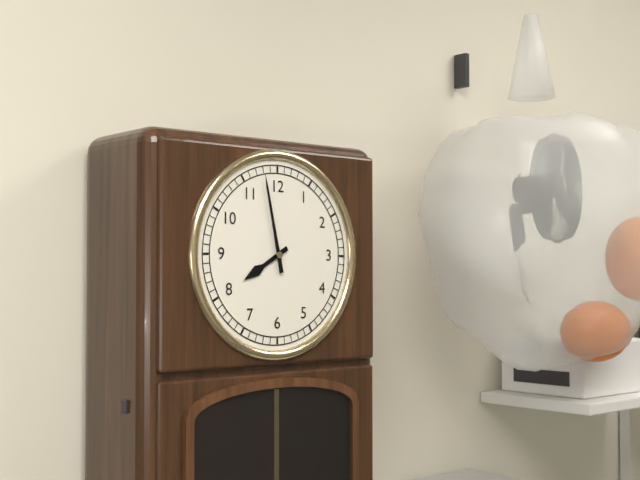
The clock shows 7 h 58 min
